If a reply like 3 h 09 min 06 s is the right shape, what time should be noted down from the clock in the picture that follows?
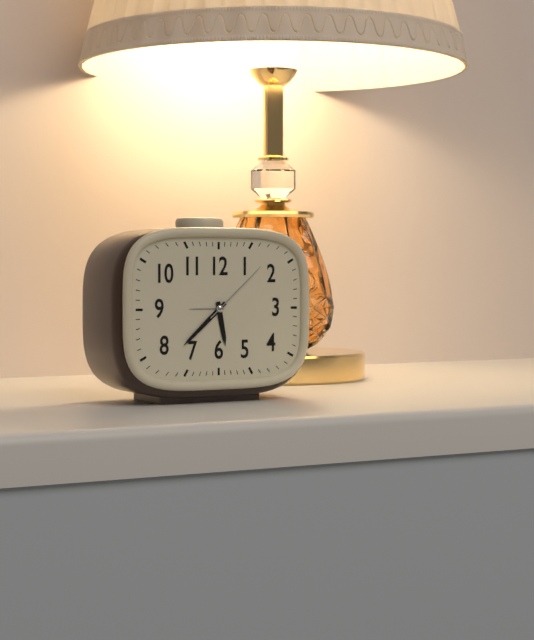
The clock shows 5 h 38 min 08 s
